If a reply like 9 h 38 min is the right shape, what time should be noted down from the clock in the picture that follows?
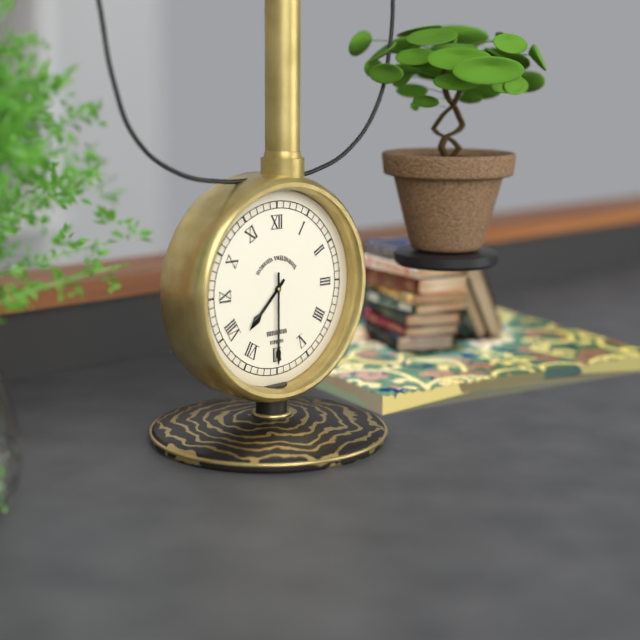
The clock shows 7 h 30 min
